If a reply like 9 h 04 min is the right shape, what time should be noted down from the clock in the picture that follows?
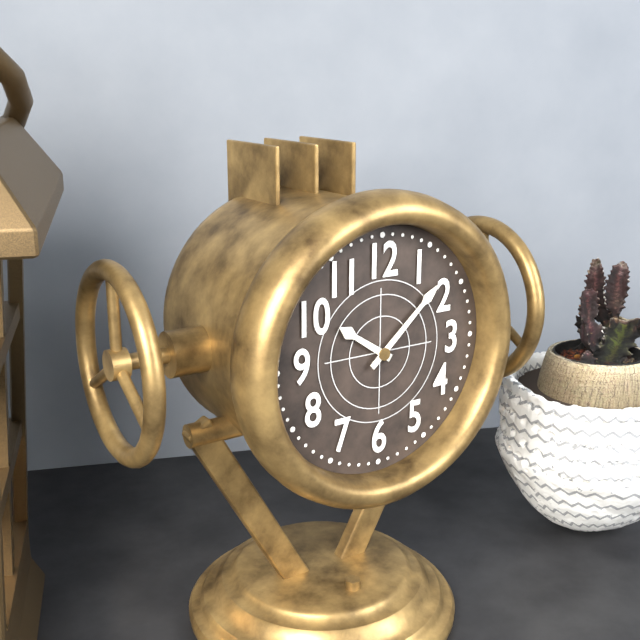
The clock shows 10 h 08 min
